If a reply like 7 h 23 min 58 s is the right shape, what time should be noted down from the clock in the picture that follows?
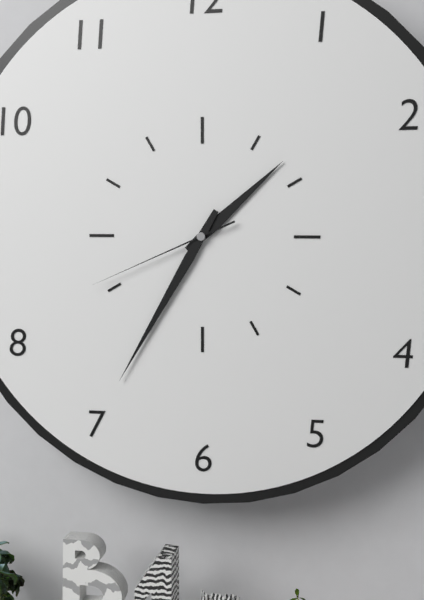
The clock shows 1 h 35 min 41 s
